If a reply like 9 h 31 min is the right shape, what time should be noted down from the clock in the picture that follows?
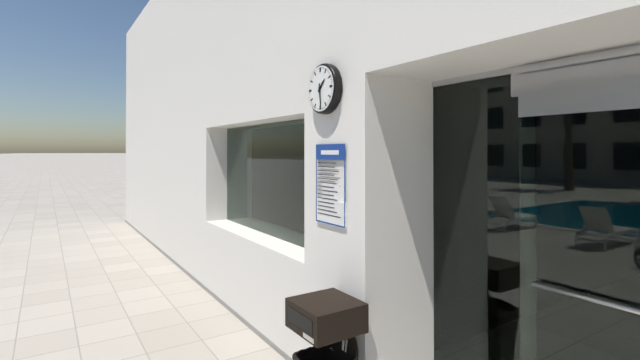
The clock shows 1 h 29 min
